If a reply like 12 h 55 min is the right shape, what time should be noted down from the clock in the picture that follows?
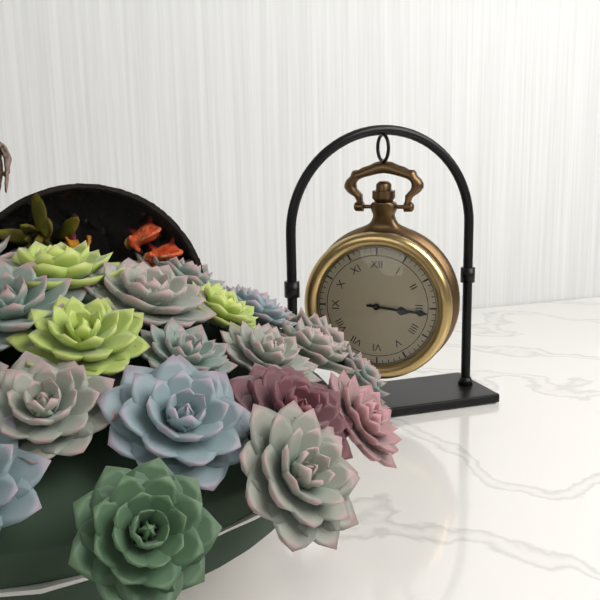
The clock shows 3 h 16 min
